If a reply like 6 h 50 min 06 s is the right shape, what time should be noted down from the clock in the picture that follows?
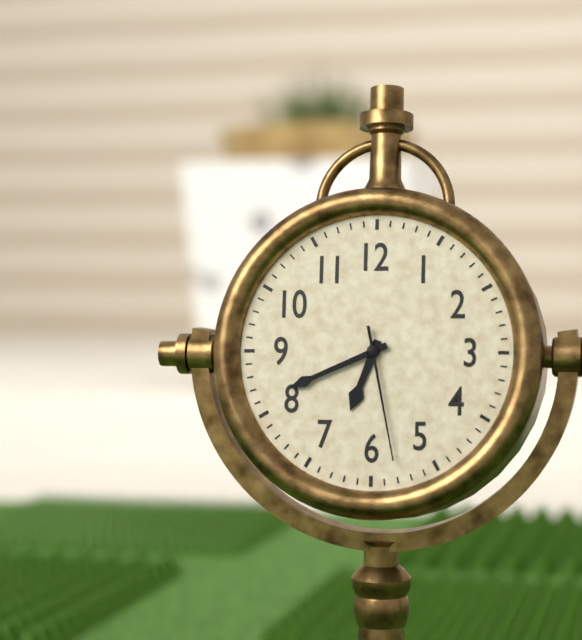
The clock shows 6 h 41 min 28 s
